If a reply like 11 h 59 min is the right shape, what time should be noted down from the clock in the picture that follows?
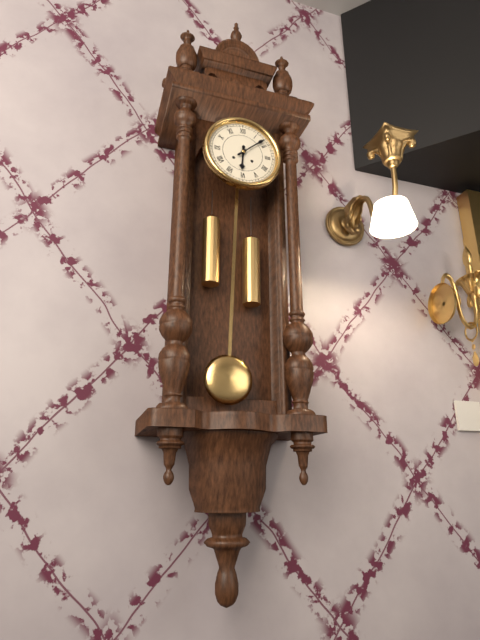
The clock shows 6 h 08 min
